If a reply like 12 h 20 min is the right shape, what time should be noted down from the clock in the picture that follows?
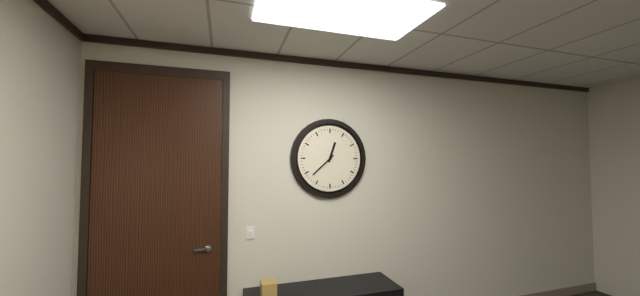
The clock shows 12 h 38 min
